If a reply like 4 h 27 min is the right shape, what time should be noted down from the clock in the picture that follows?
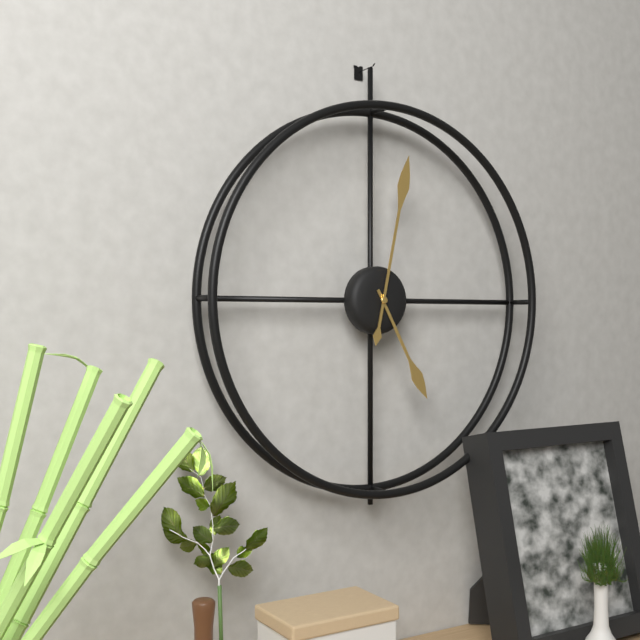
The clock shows 5 h 02 min
